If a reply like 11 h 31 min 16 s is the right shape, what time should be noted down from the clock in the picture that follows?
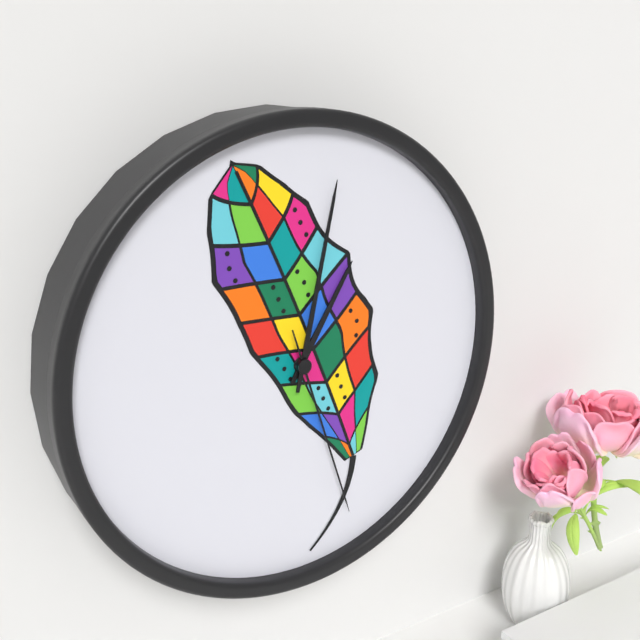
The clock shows 1 h 02 min 27 s
